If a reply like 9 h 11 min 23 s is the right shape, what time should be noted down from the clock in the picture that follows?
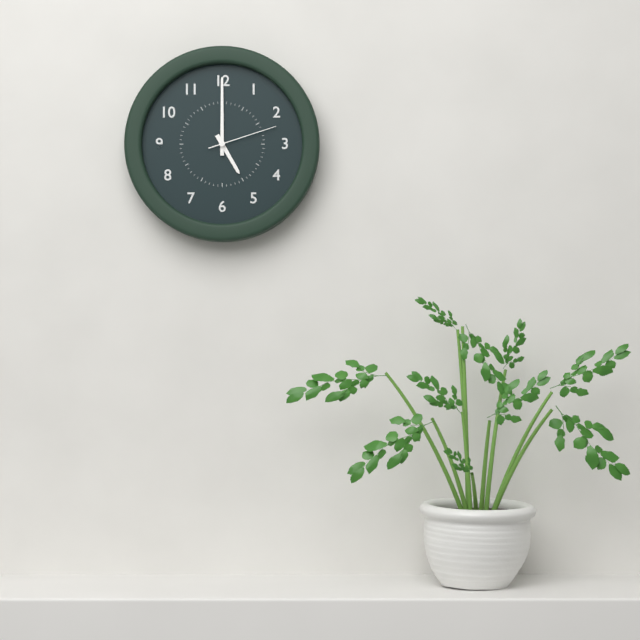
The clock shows 5 h 00 min 12 s
